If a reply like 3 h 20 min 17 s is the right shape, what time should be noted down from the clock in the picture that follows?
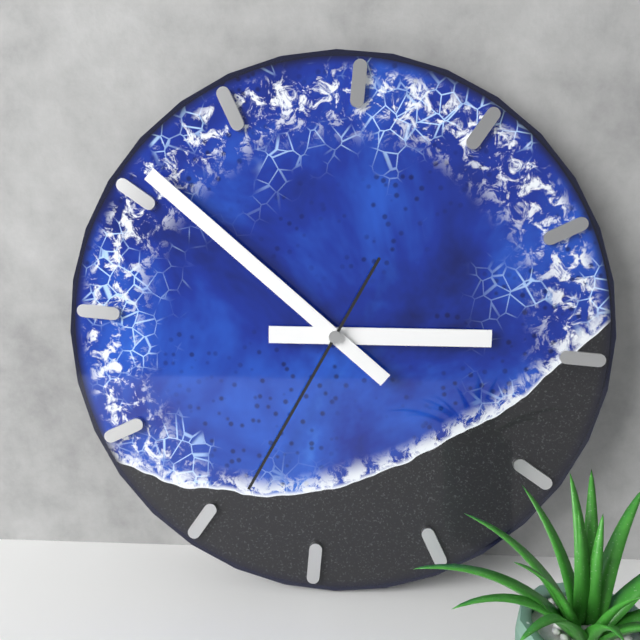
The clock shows 2 h 51 min 34 s
